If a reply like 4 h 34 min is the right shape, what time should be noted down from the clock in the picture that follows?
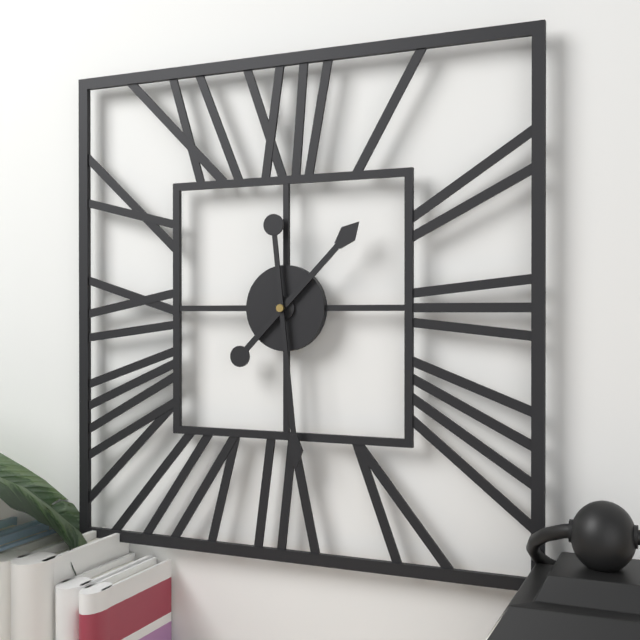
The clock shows 1 h 29 min
